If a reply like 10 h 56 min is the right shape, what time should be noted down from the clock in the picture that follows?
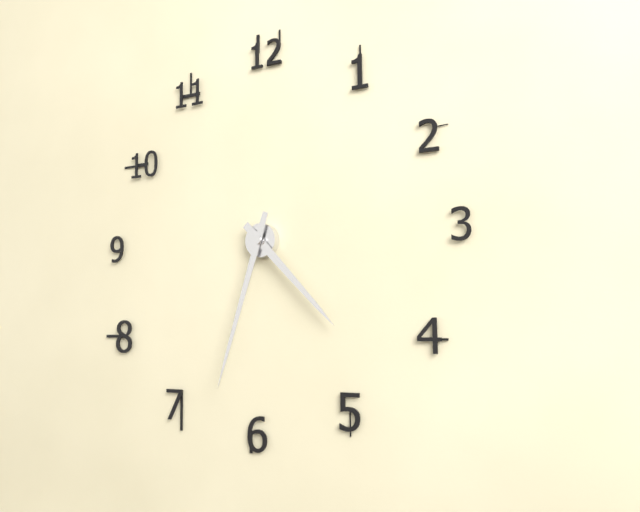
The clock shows 4 h 33 min
